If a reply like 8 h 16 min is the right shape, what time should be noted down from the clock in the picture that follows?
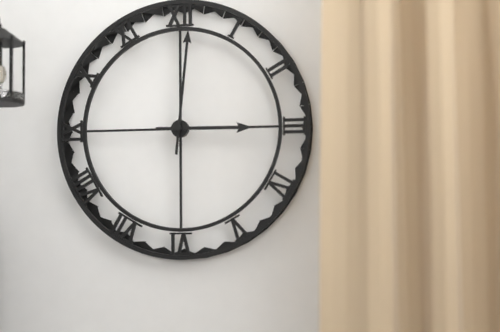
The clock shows 3 h 01 min
